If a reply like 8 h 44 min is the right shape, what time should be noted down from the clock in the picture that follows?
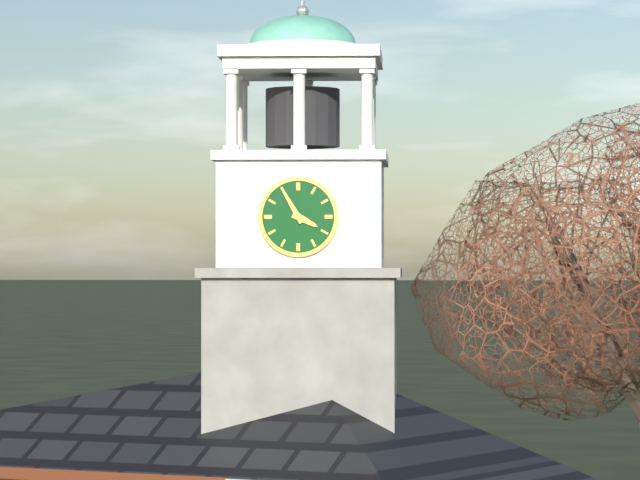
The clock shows 3 h 55 min
